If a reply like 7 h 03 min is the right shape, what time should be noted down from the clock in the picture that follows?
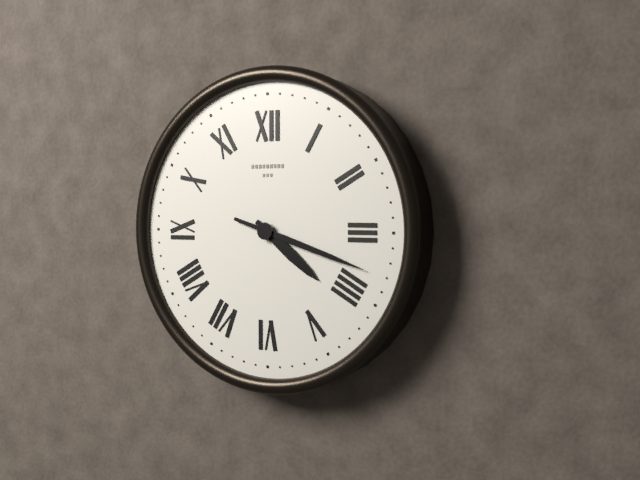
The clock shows 4 h 18 min
